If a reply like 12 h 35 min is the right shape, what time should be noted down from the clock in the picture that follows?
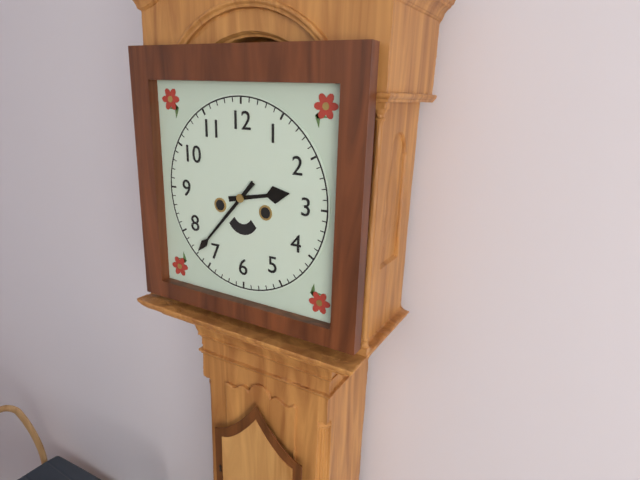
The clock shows 2 h 37 min
